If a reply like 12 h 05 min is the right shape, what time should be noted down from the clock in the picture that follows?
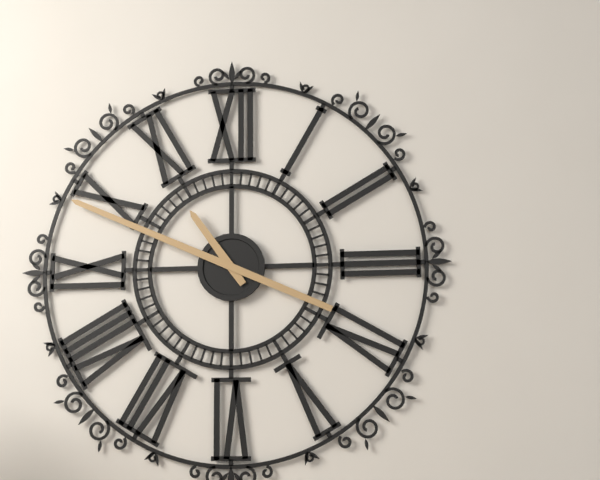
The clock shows 10 h 49 min
